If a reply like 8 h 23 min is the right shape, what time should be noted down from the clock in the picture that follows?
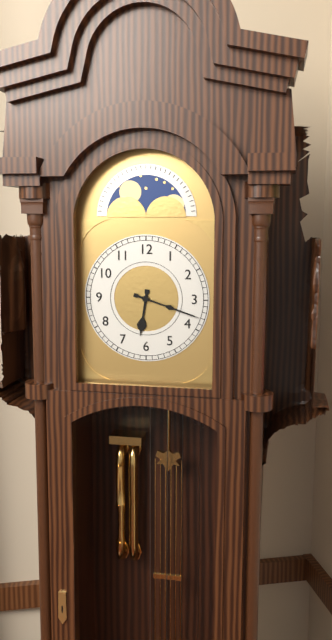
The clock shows 6 h 18 min
